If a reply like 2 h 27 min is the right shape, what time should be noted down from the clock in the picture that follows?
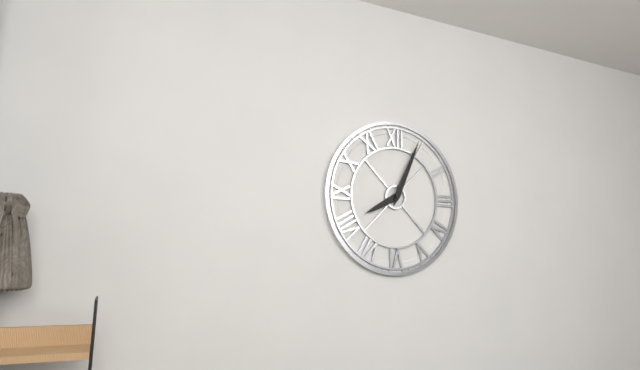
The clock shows 8 h 04 min
